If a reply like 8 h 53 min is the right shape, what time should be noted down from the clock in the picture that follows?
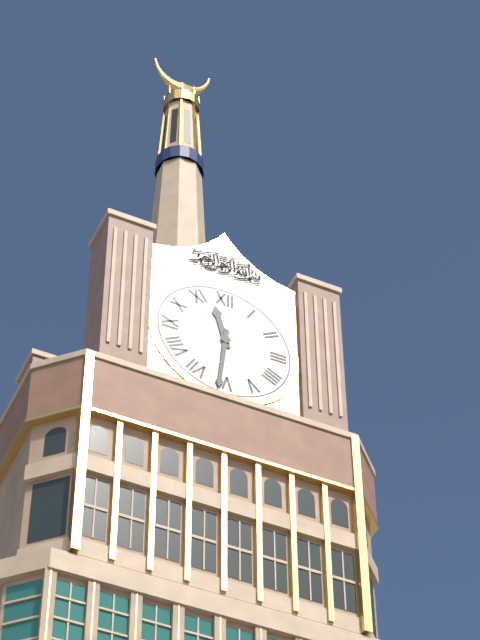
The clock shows 11 h 31 min
